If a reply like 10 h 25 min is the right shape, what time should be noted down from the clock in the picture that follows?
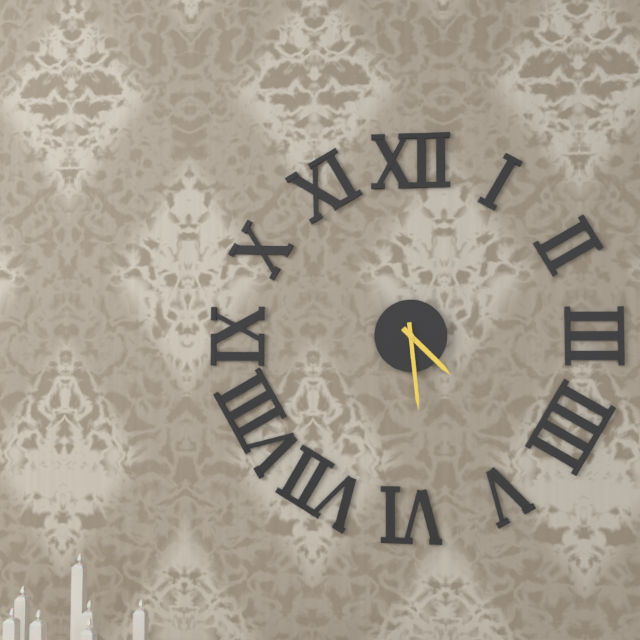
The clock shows 4 h 29 min
